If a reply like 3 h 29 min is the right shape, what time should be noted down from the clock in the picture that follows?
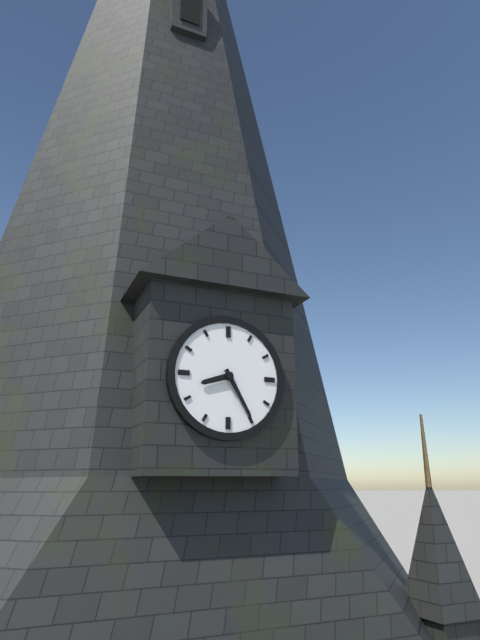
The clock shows 8 h 25 min
